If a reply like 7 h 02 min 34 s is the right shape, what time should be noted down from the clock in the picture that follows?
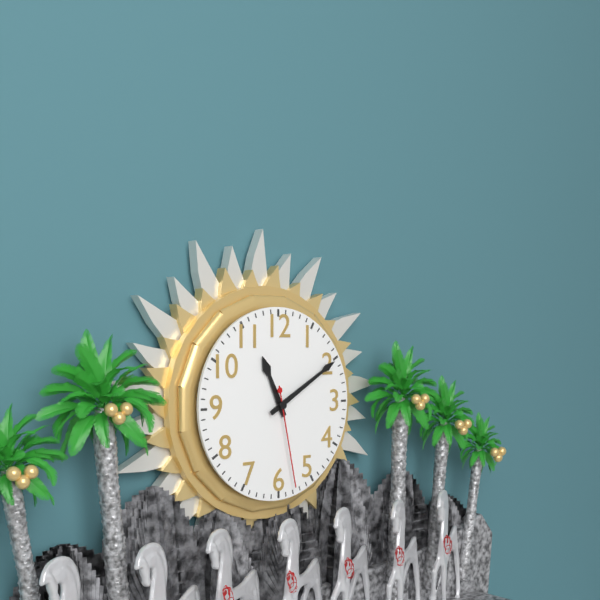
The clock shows 11 h 10 min 28 s
